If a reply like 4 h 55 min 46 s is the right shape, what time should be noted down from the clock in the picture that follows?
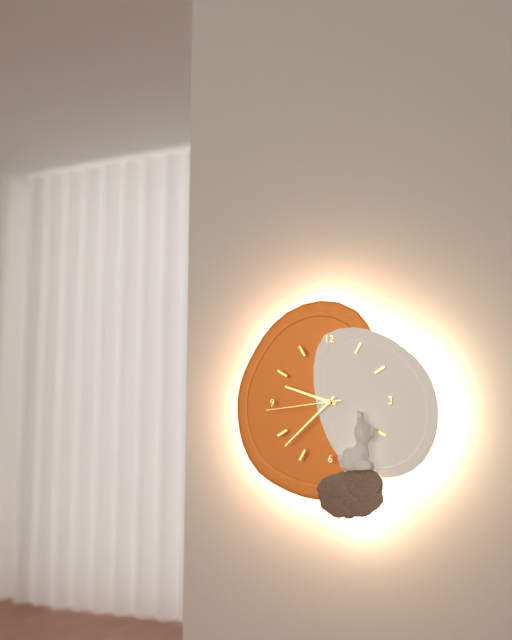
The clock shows 9 h 38 min 44 s
